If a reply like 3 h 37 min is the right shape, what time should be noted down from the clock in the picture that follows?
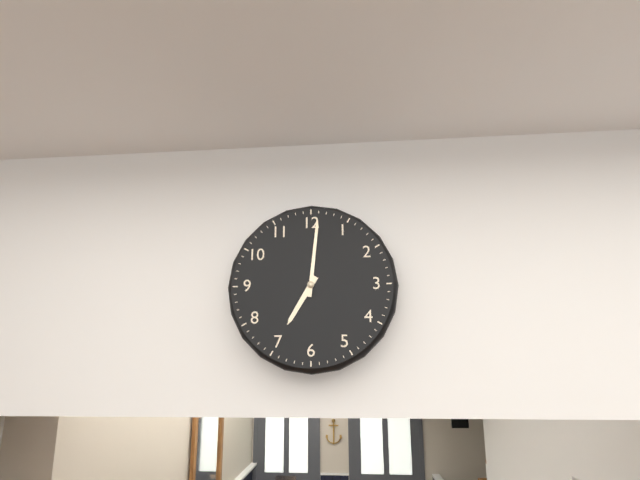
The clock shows 7 h 01 min
